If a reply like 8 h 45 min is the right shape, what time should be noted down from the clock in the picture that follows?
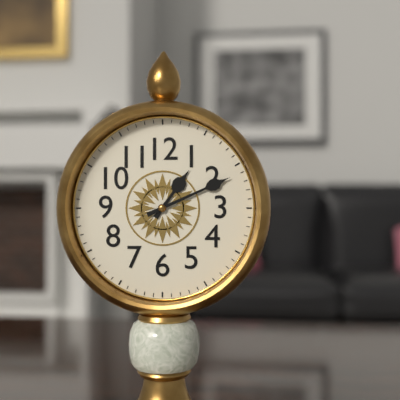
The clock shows 1 h 11 min
